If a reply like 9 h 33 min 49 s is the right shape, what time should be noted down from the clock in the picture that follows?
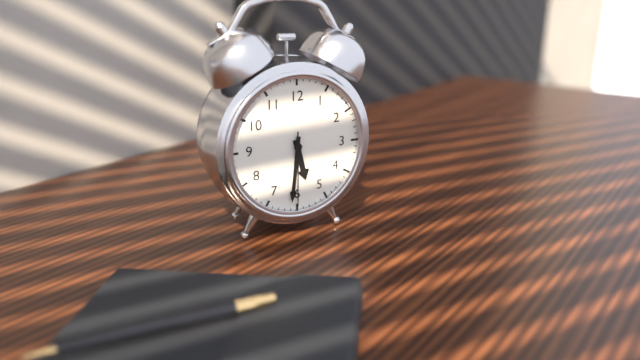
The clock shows 5 h 31 min 30 s
